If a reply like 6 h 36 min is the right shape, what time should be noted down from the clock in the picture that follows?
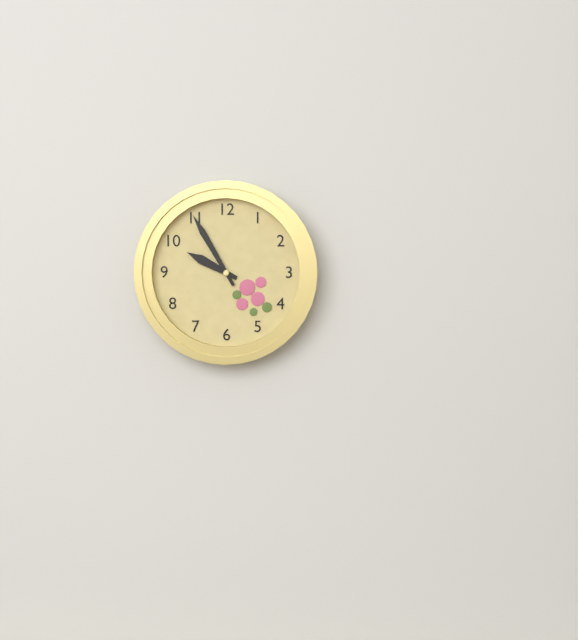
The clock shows 9 h 55 min
